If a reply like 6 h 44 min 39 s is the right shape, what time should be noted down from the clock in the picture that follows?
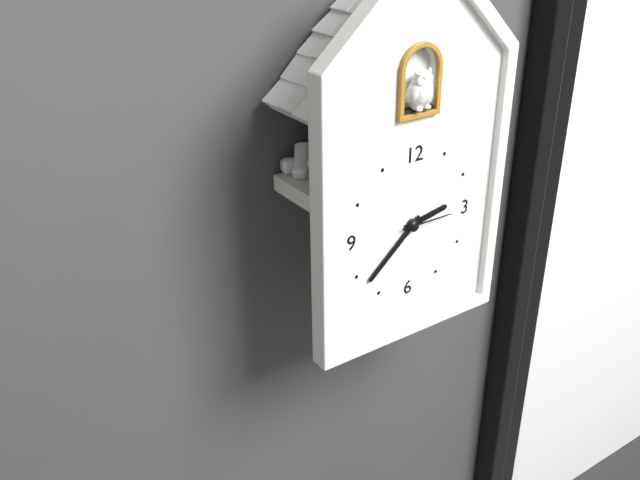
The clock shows 2 h 38 min 15 s
